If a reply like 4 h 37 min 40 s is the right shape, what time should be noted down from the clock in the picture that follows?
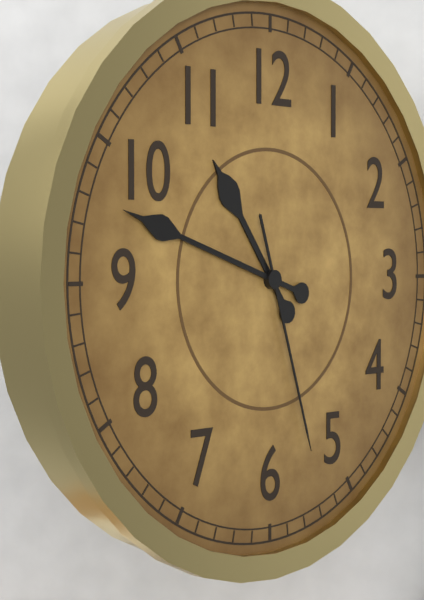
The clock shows 10 h 48 min 27 s
